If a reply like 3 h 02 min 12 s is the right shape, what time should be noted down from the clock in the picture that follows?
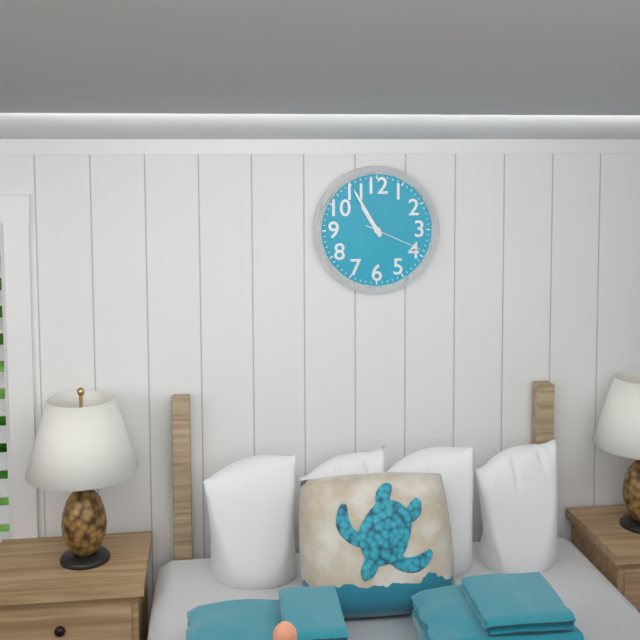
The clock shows 10 h 55 min 19 s
